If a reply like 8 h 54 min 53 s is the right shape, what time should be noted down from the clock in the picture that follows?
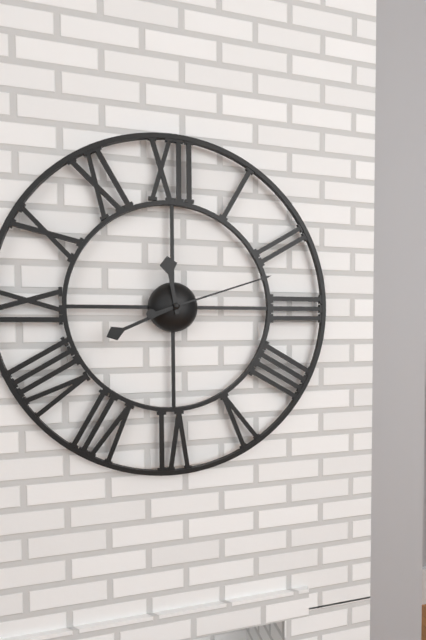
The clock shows 11 h 41 min 12 s
